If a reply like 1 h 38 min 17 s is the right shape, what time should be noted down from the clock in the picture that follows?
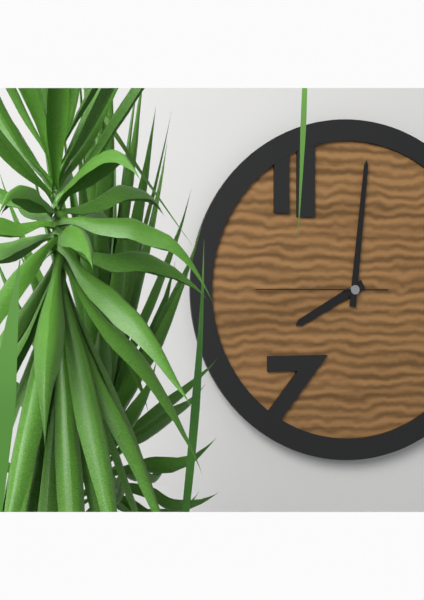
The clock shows 8 h 01 min 45 s
